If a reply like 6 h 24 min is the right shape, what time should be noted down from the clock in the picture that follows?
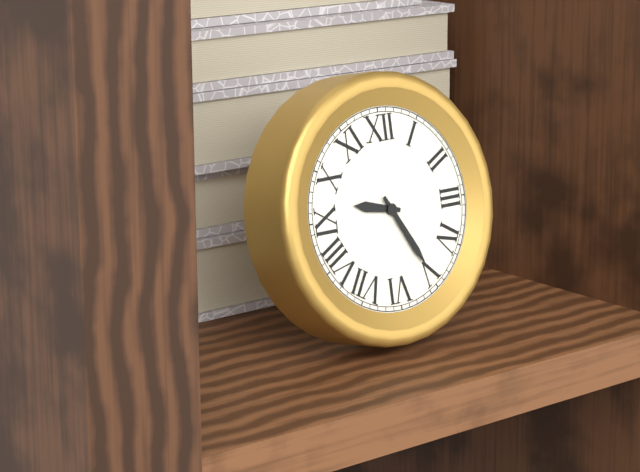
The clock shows 9 h 25 min
